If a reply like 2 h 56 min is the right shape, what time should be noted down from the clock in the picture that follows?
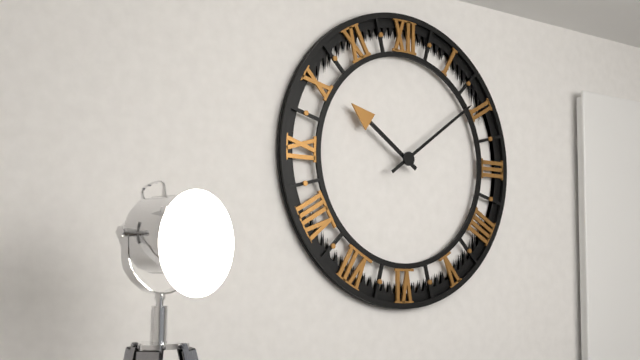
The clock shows 10 h 09 min
